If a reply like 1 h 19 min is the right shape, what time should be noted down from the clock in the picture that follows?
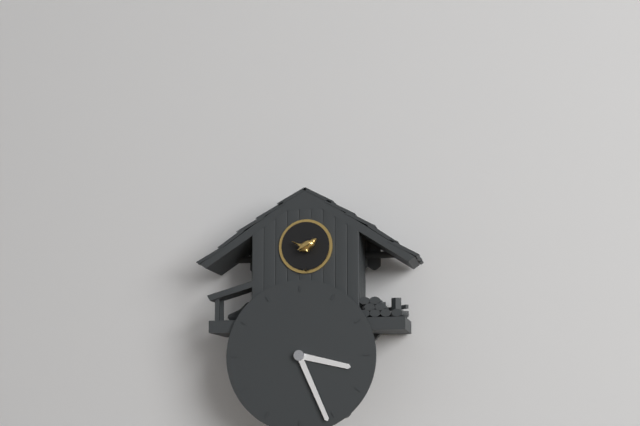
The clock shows 3 h 26 min
